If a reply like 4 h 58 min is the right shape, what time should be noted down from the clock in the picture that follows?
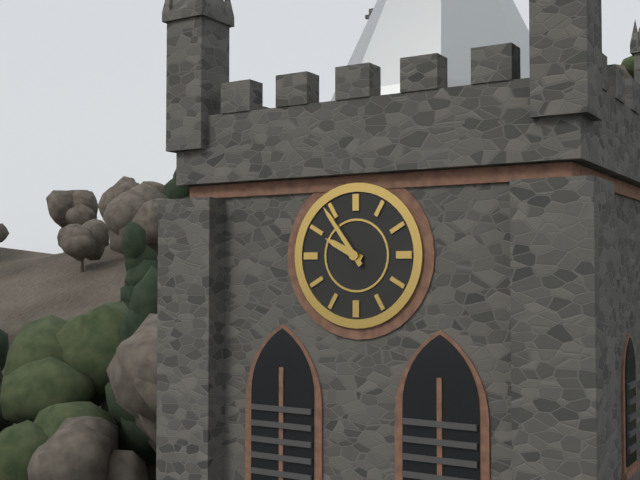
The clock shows 9 h 54 min
